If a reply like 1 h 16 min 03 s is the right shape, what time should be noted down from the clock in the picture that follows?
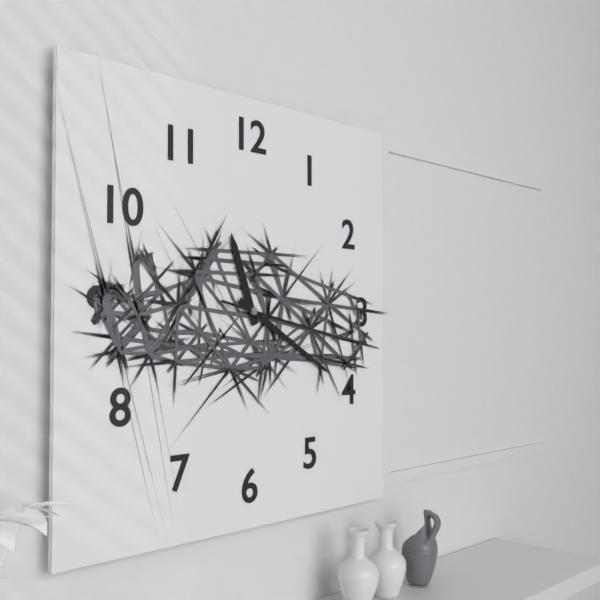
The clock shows 11 h 20 min 17 s
